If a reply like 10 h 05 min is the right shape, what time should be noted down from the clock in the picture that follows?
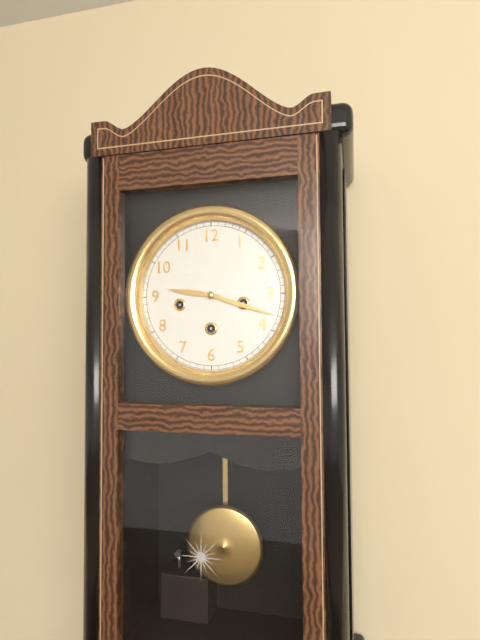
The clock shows 9 h 18 min
